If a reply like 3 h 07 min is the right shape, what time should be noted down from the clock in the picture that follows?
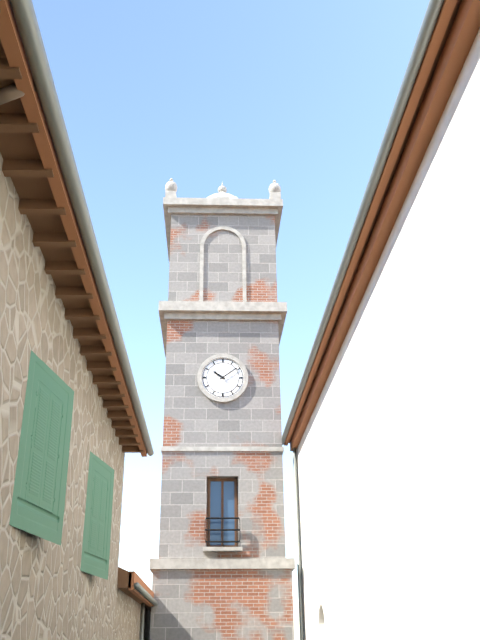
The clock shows 10 h 09 min
